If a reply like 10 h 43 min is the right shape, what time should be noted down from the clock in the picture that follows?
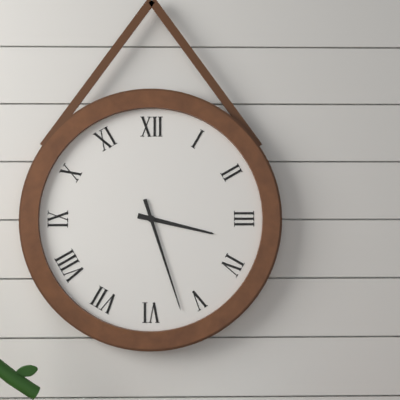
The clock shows 3 h 27 min
